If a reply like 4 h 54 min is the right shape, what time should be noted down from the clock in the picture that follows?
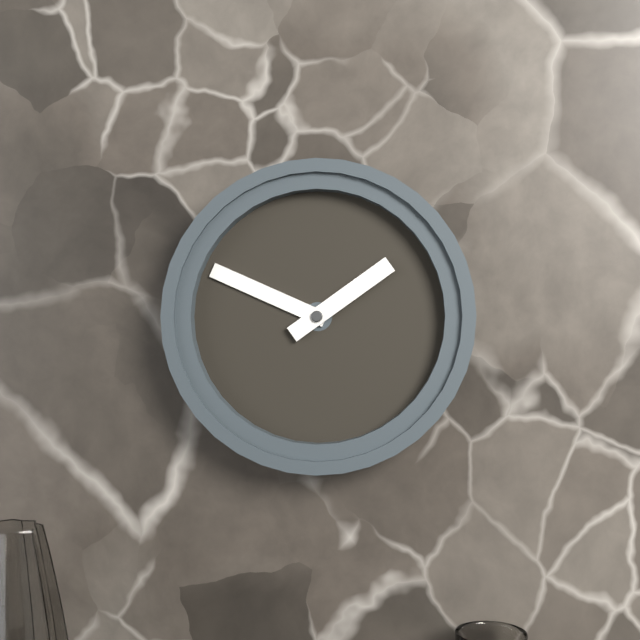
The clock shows 1 h 49 min
